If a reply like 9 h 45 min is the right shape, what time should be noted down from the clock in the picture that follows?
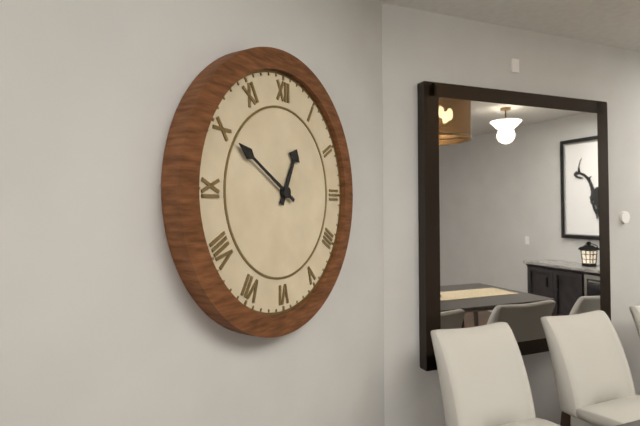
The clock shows 12 h 50 min
